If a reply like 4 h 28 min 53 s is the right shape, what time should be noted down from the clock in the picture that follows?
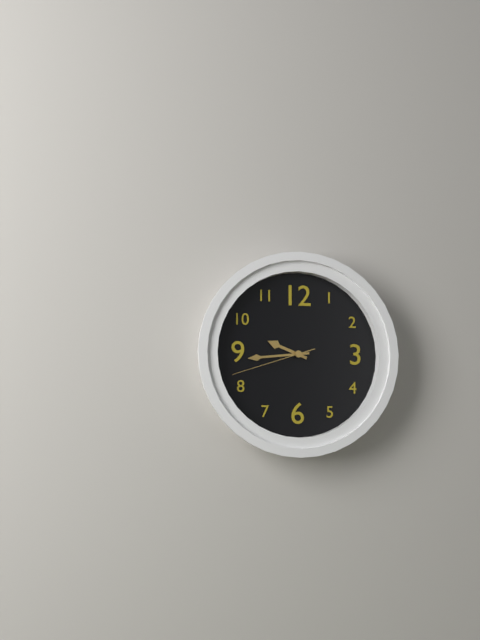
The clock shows 9 h 44 min 42 s
